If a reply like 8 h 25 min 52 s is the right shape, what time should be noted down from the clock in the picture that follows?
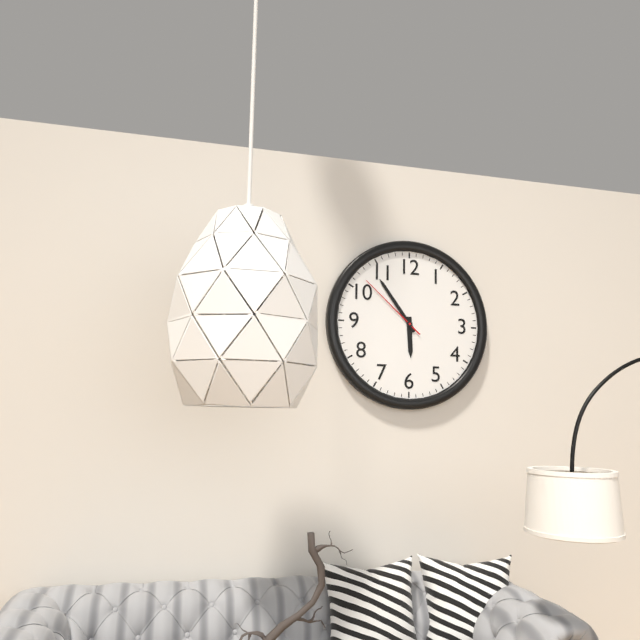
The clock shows 5 h 54 min 52 s
